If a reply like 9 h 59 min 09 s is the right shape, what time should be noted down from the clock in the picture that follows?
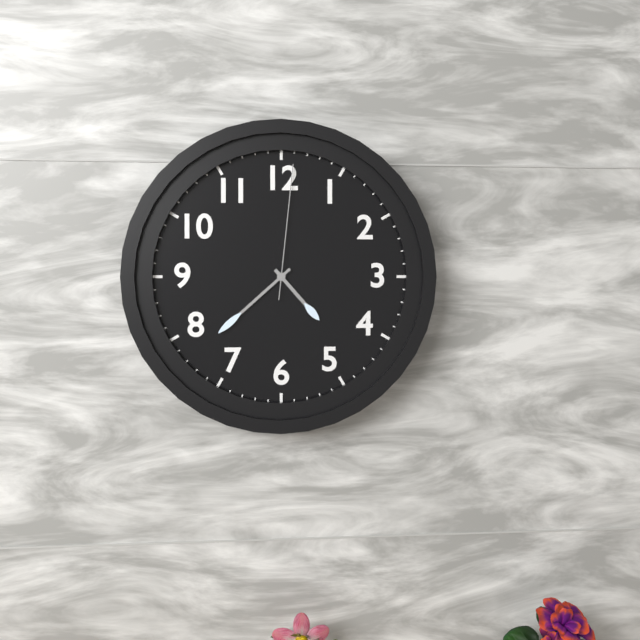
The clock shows 4 h 38 min 01 s
